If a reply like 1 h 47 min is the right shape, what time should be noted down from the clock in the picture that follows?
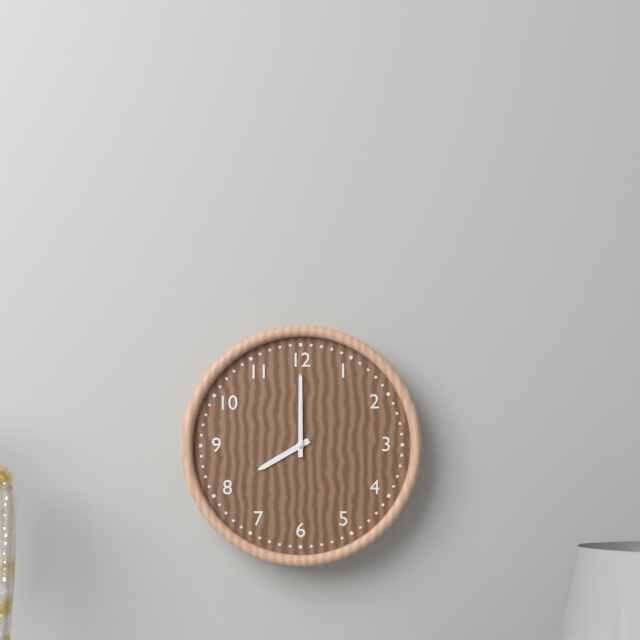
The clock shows 8 h 00 min
